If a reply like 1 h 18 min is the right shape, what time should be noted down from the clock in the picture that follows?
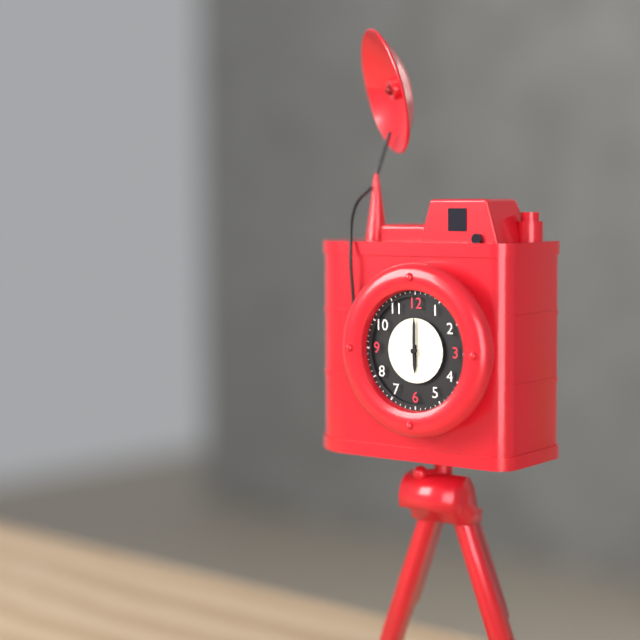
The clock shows 6 h 00 min
